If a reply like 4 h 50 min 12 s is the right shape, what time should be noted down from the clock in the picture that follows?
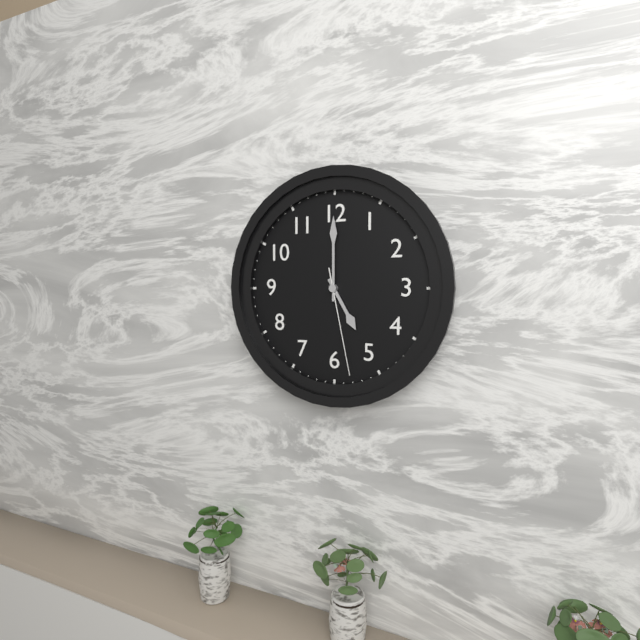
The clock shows 5 h 00 min 28 s
